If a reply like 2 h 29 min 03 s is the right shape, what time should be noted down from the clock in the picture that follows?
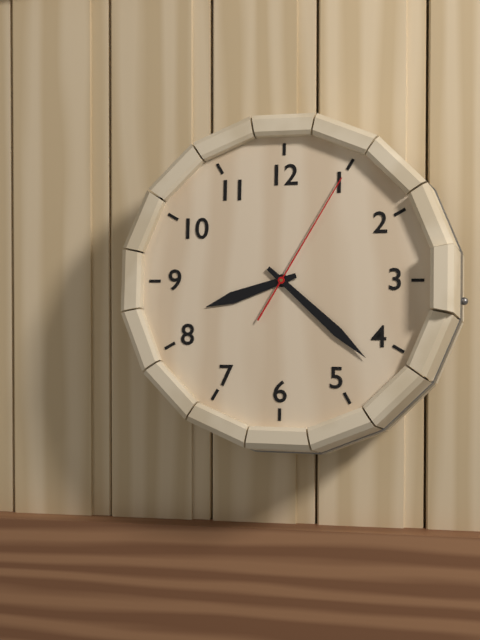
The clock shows 8 h 22 min 05 s
